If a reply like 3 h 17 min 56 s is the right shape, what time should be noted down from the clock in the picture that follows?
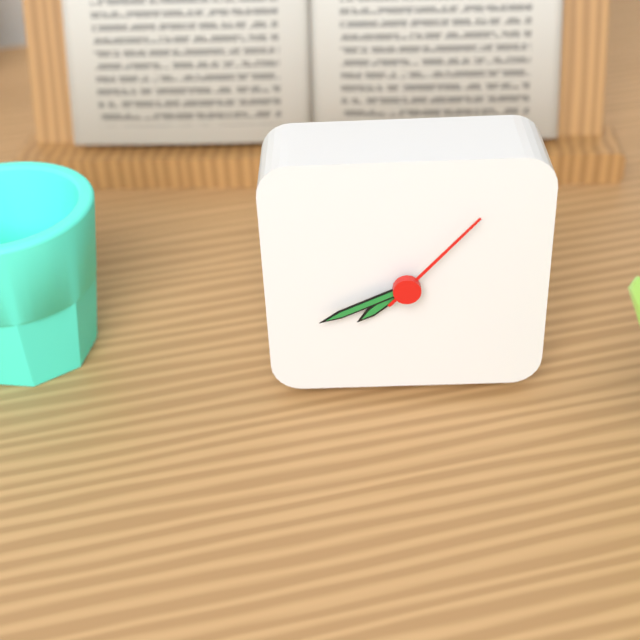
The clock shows 7 h 41 min 07 s
